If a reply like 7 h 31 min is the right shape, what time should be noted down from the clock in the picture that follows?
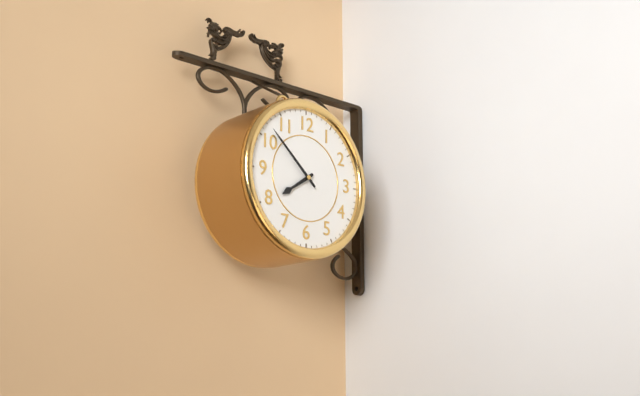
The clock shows 7 h 52 min
